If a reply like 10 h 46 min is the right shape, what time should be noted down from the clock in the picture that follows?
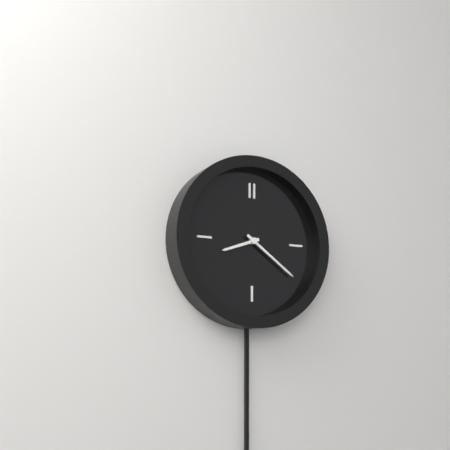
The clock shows 8 h 21 min
